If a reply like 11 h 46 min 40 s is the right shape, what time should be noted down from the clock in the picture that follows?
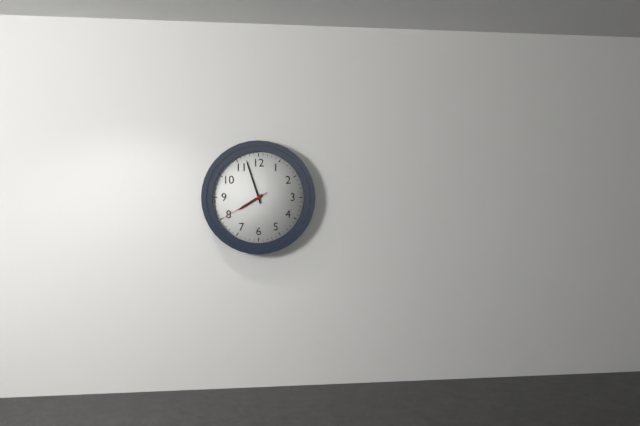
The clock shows 7 h 57 min 40 s
